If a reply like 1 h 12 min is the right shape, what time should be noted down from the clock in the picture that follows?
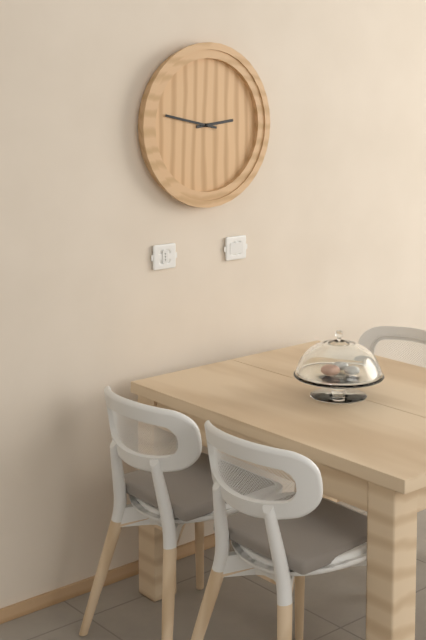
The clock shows 2 h 47 min
